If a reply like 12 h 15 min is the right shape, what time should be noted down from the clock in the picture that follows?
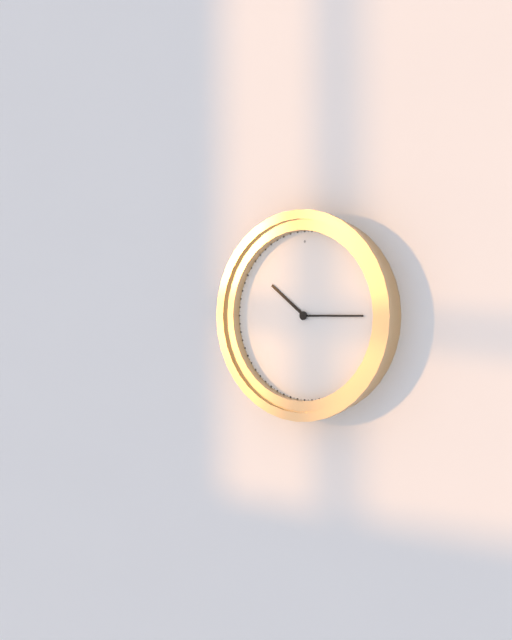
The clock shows 10 h 15 min
